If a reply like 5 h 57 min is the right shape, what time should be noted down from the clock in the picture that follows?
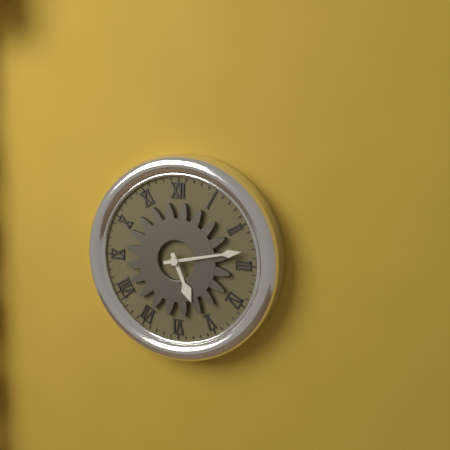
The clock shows 5 h 13 min
